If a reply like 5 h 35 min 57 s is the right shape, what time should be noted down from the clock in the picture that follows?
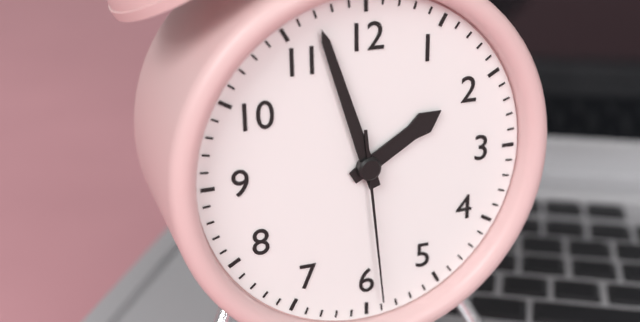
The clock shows 1 h 57 min 29 s
